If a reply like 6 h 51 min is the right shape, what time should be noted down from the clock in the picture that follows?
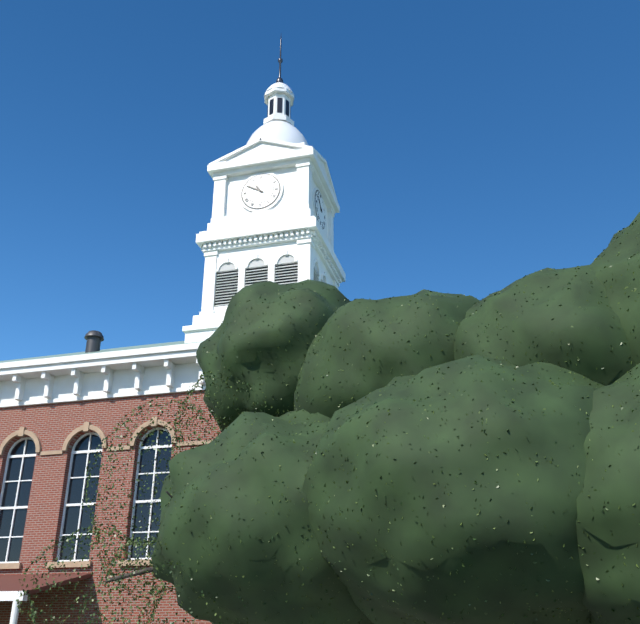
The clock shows 10 h 50 min
